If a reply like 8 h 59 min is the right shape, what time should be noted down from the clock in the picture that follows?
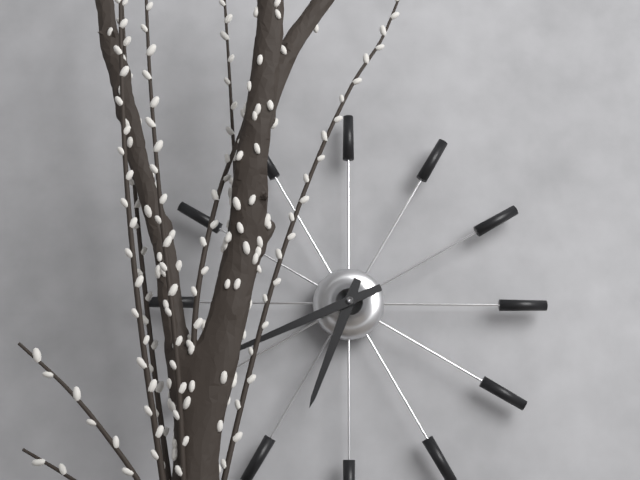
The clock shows 6 h 41 min
